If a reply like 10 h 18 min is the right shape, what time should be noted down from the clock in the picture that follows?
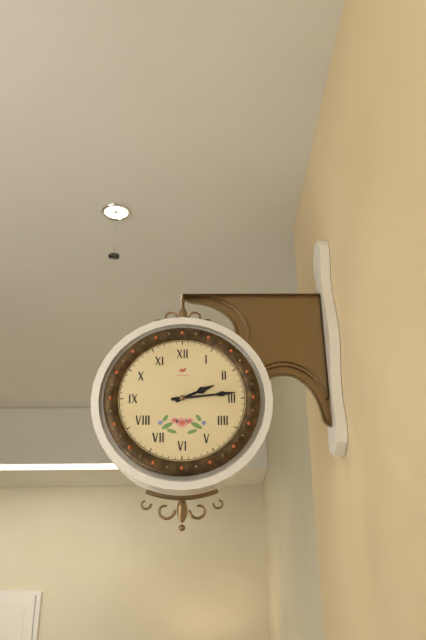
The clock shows 2 h 14 min
